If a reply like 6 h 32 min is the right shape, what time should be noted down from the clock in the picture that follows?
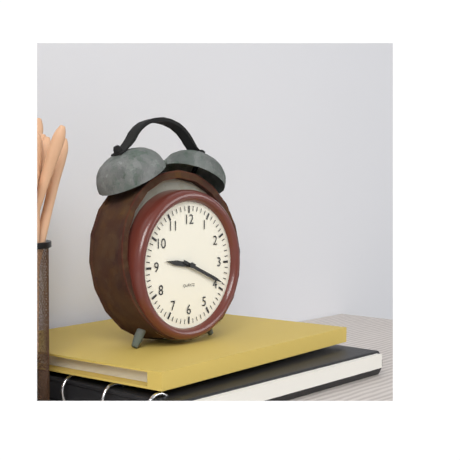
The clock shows 9 h 19 min
